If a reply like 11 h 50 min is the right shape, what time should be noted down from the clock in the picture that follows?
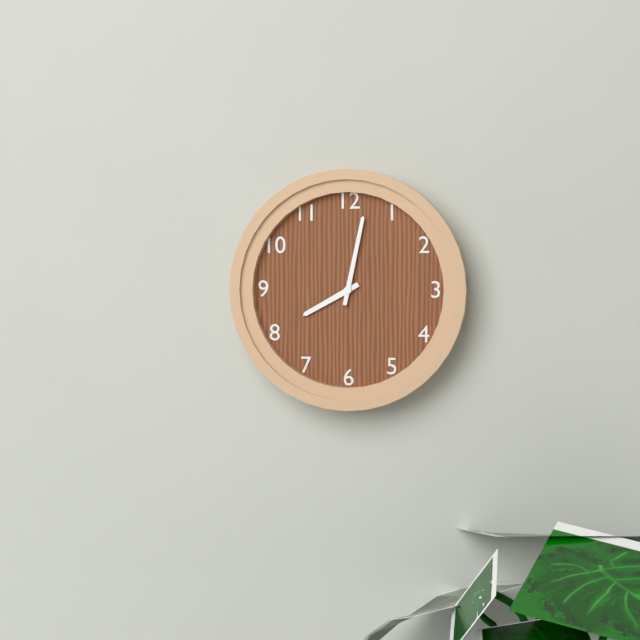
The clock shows 8 h 02 min
